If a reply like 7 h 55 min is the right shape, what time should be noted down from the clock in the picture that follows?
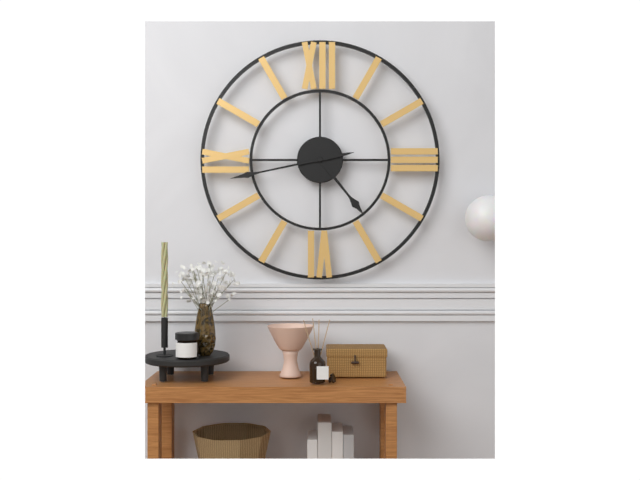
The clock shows 4 h 43 min
